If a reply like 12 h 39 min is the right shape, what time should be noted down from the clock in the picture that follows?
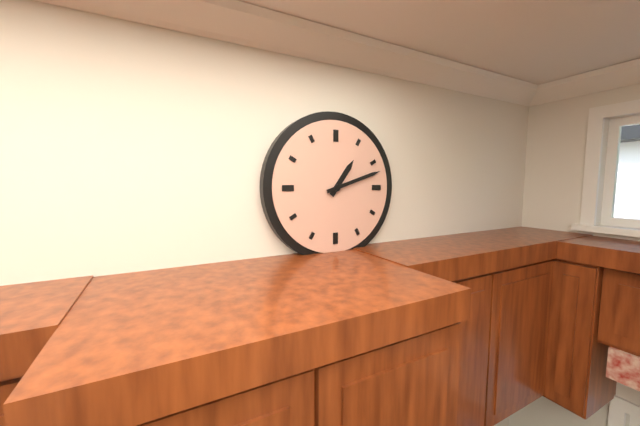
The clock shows 1 h 12 min
